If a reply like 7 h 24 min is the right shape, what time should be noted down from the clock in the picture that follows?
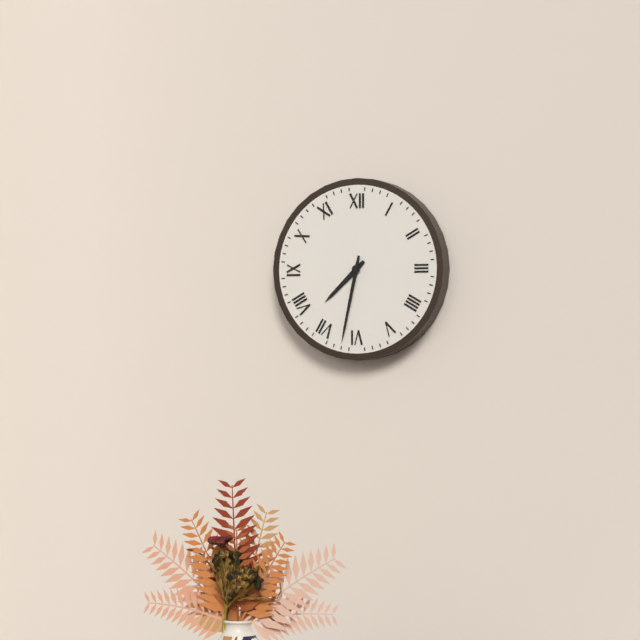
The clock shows 7 h 32 min
